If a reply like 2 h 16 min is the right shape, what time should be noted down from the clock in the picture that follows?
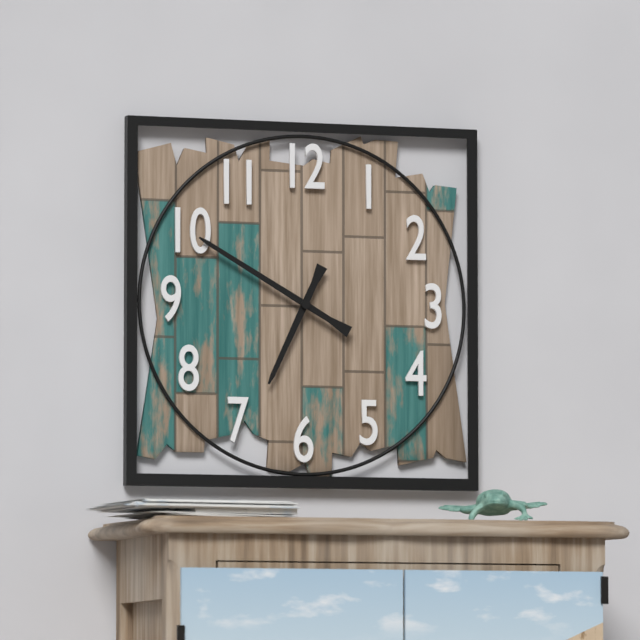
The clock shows 6 h 50 min
